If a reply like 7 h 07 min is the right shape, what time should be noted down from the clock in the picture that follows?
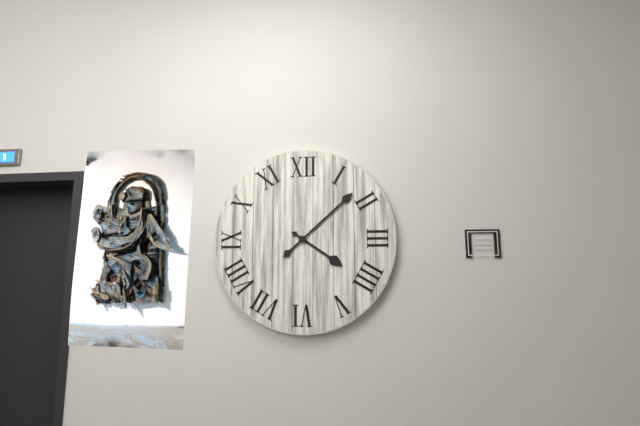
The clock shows 4 h 08 min
